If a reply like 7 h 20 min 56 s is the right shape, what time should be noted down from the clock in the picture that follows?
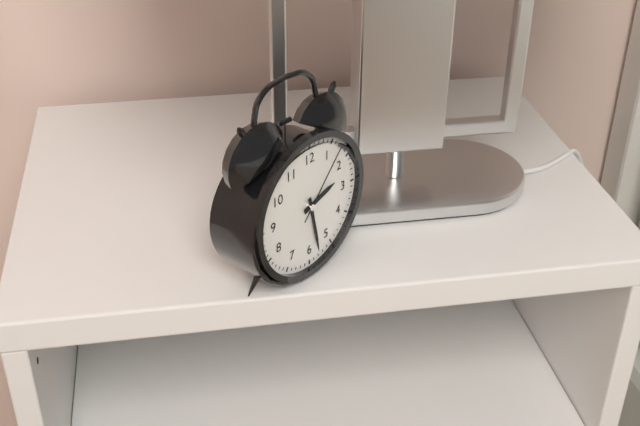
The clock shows 2 h 28 min 07 s
